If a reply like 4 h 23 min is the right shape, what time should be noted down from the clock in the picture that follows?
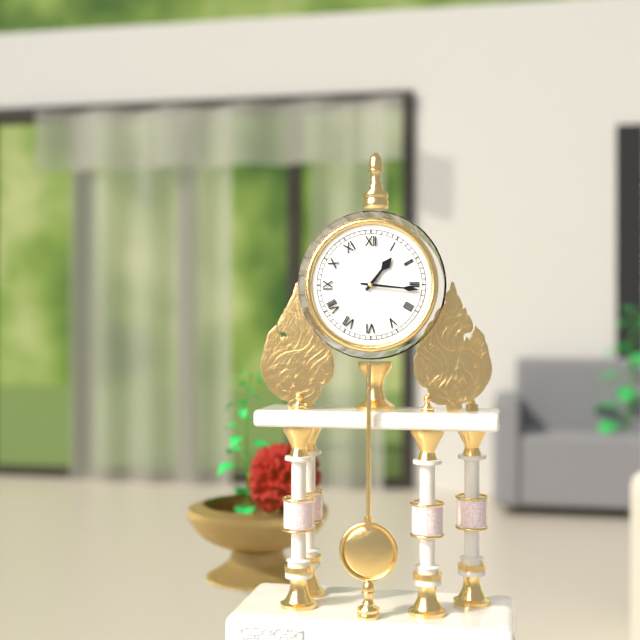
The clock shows 1 h 16 min
